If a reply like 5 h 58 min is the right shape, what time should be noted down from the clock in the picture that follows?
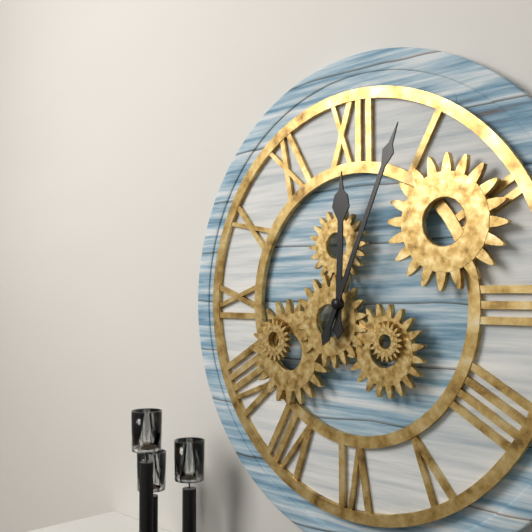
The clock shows 12 h 04 min
